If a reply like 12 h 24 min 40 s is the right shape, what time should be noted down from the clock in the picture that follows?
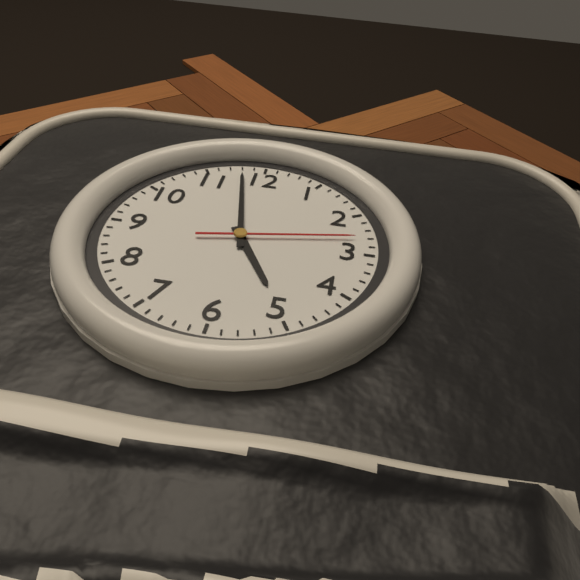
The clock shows 4 h 58 min 13 s
